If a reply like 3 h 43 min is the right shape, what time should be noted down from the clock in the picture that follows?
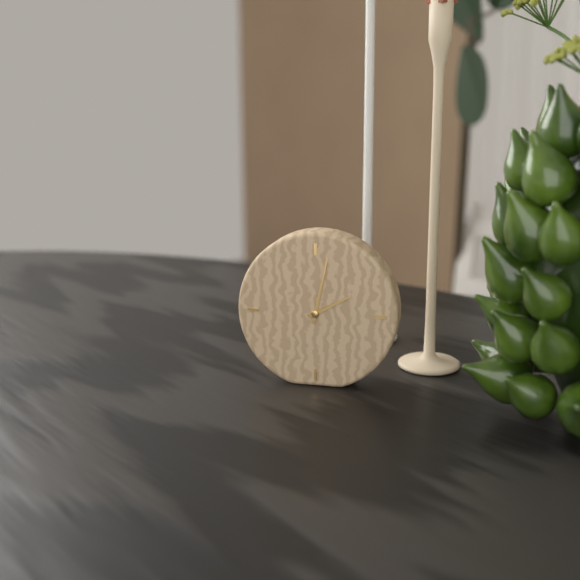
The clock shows 2 h 02 min
